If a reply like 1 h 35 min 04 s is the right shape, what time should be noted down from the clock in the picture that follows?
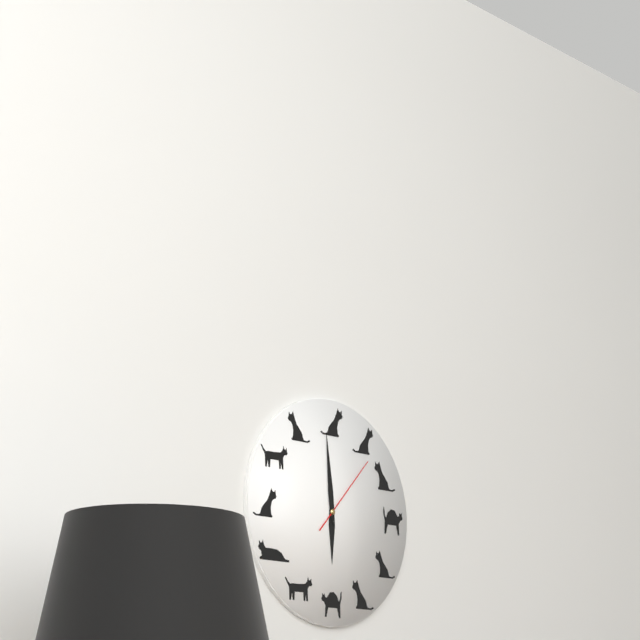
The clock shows 5 h 59 min 07 s
